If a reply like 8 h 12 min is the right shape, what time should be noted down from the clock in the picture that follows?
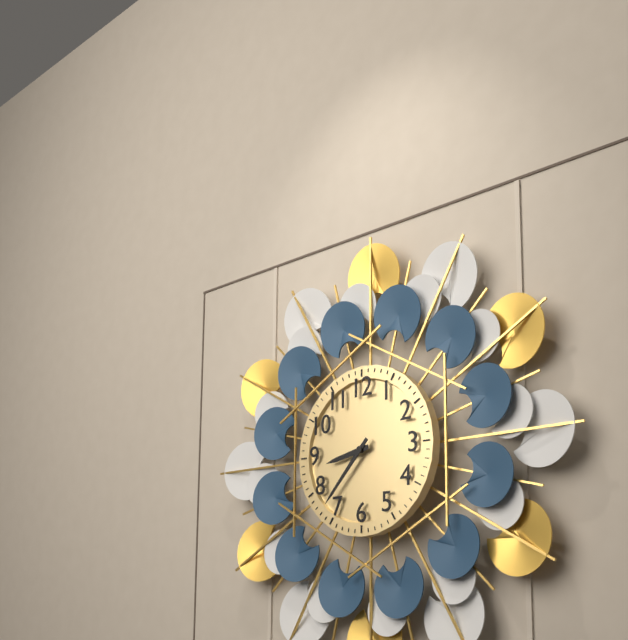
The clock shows 8 h 37 min
